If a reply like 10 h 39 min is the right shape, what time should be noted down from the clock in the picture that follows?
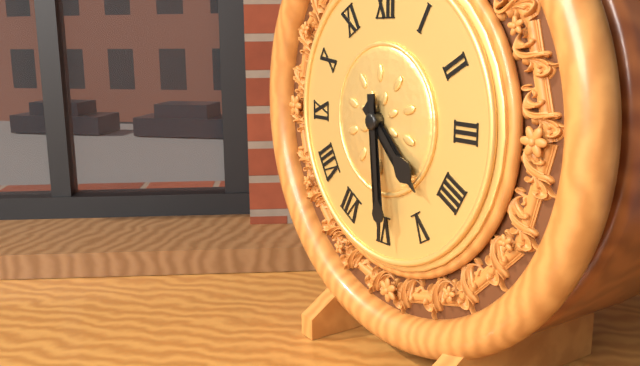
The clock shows 4 h 29 min
